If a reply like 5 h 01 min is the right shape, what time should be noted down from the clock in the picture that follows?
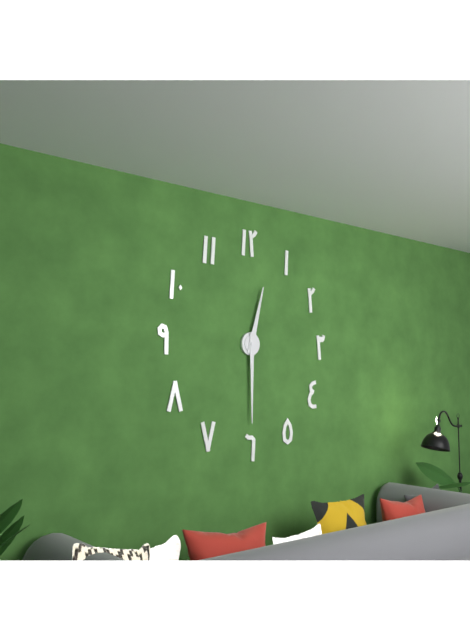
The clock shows 12 h 30 min
